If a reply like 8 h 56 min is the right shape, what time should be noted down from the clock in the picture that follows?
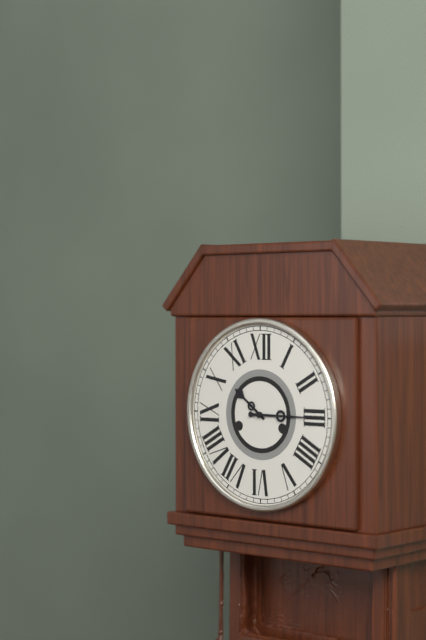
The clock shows 10 h 15 min
